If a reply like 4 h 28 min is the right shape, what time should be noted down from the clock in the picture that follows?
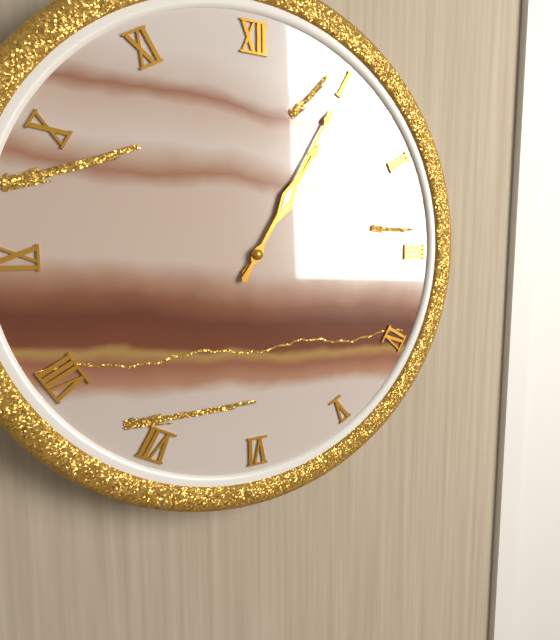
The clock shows 1 h 05 min
